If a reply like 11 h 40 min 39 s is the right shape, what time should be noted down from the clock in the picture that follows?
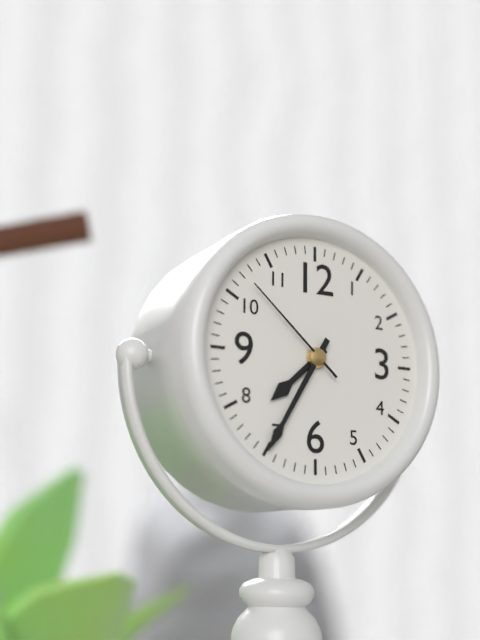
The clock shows 7 h 35 min 52 s
